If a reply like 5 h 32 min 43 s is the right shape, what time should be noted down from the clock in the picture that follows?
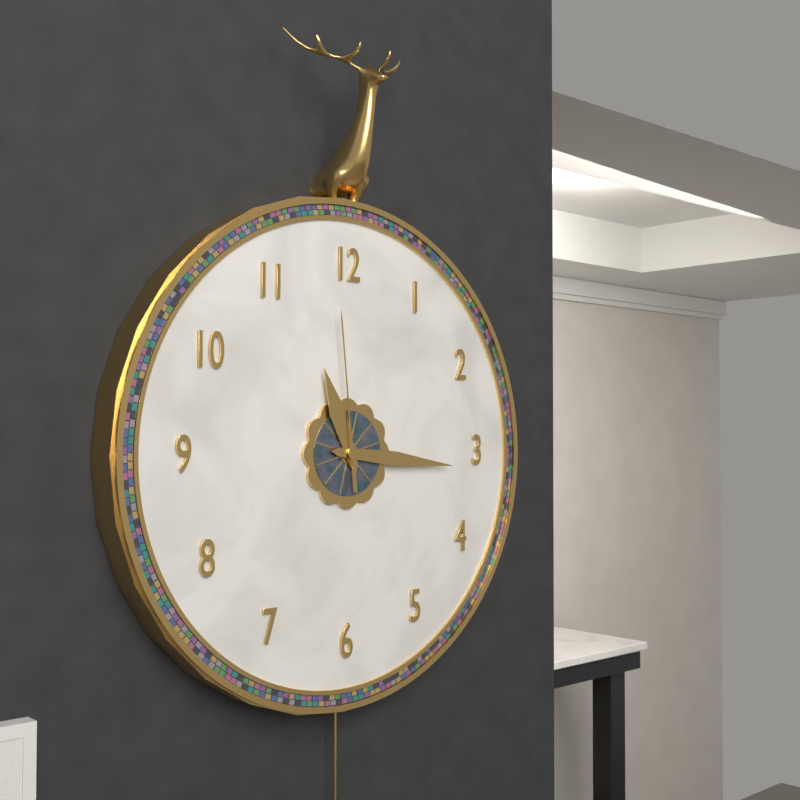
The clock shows 11 h 16 min 59 s
